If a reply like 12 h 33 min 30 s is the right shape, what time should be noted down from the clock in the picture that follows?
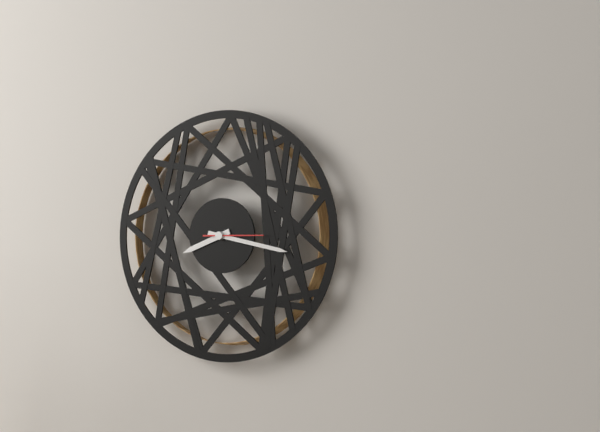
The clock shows 8 h 17 min 15 s
